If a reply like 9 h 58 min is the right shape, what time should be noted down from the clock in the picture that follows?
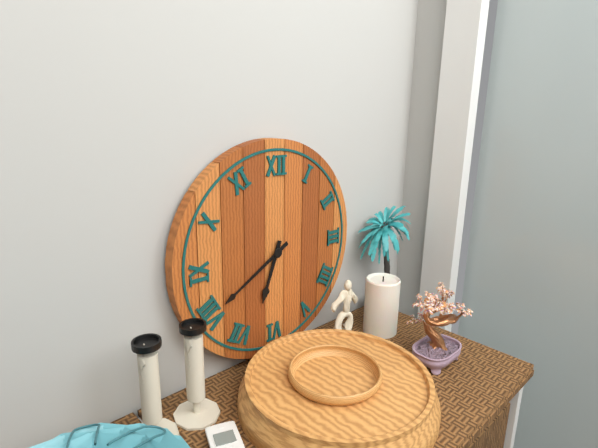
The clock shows 6 h 40 min
